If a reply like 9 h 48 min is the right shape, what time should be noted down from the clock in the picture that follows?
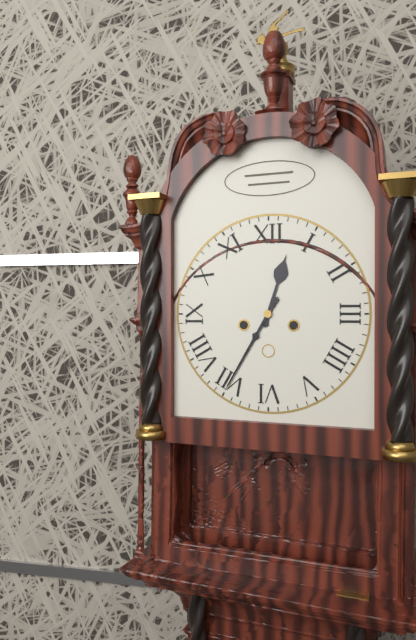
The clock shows 12 h 35 min
